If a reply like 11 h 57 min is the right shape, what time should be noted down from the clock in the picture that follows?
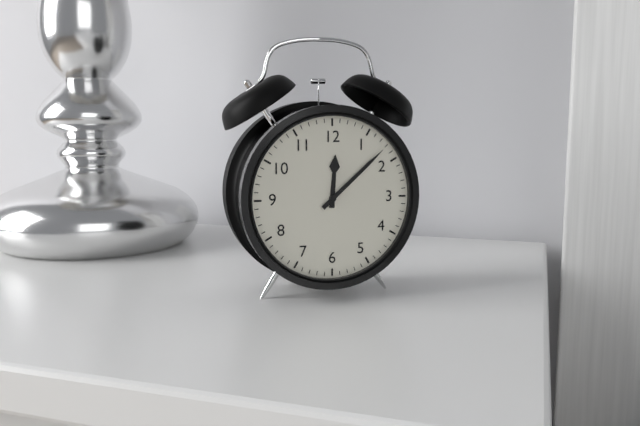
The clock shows 12 h 08 min
